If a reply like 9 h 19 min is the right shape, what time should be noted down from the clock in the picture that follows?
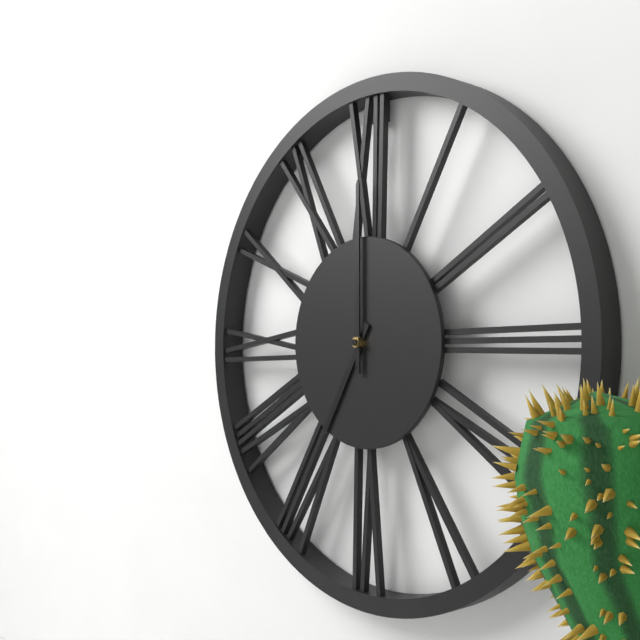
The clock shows 7 h 00 min
